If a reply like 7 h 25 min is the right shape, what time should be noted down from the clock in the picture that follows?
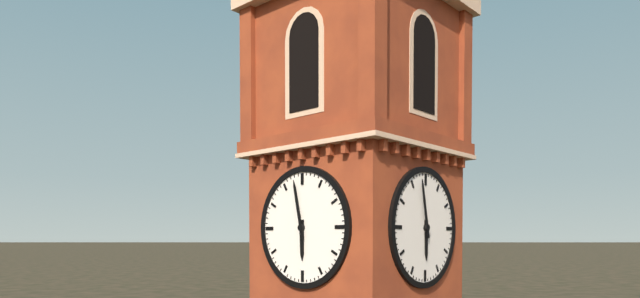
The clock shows 5 h 58 min
